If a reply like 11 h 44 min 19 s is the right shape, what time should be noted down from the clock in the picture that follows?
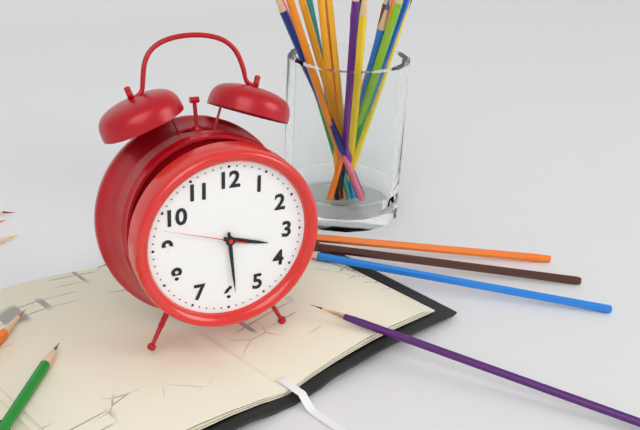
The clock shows 3 h 29 min 48 s
